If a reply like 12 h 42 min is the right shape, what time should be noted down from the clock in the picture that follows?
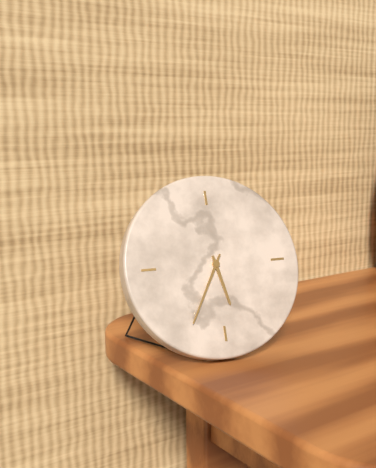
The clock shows 5 h 35 min
